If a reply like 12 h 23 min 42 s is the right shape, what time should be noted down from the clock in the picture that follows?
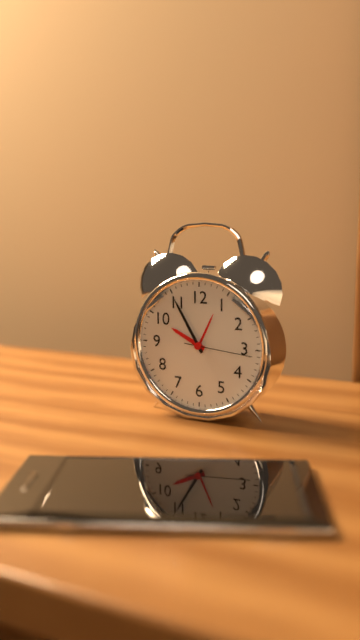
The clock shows 9 h 55 min 16 s
